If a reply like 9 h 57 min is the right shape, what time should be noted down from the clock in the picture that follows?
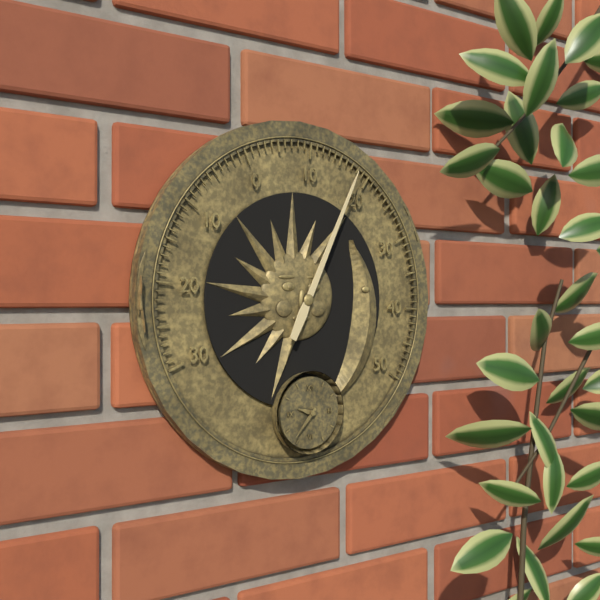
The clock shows 9 h 37 min
